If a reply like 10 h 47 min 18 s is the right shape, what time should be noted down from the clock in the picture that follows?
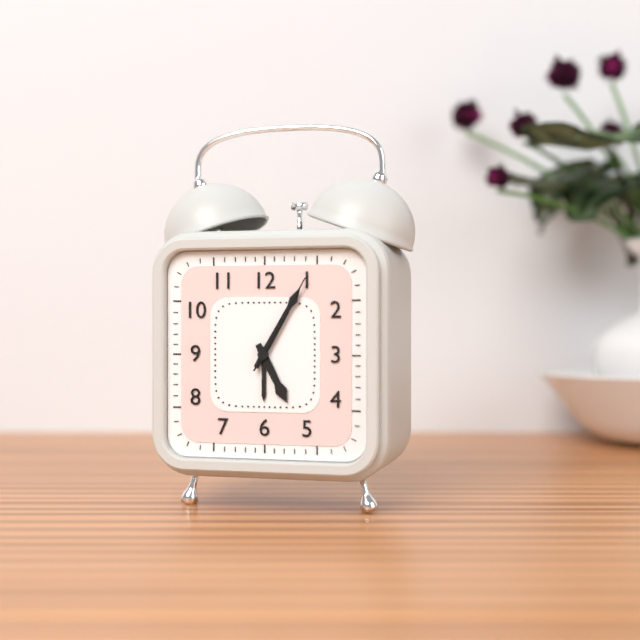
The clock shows 5 h 05 min 05 s
